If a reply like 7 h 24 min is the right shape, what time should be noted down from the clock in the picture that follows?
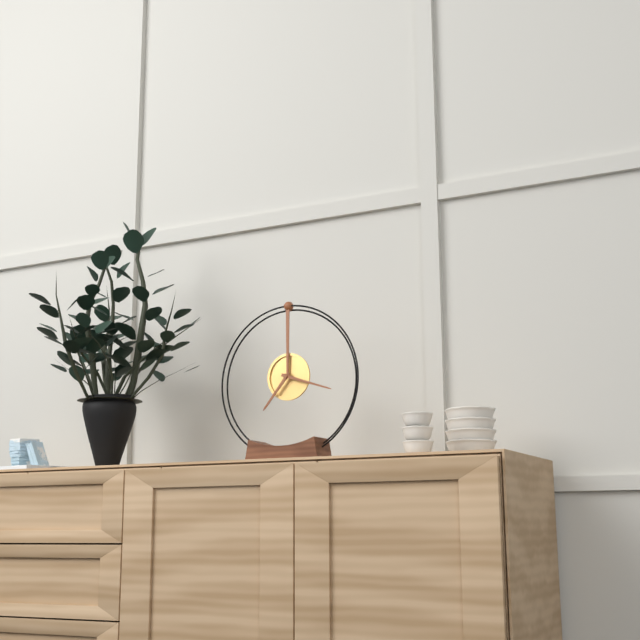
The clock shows 7 h 18 min
